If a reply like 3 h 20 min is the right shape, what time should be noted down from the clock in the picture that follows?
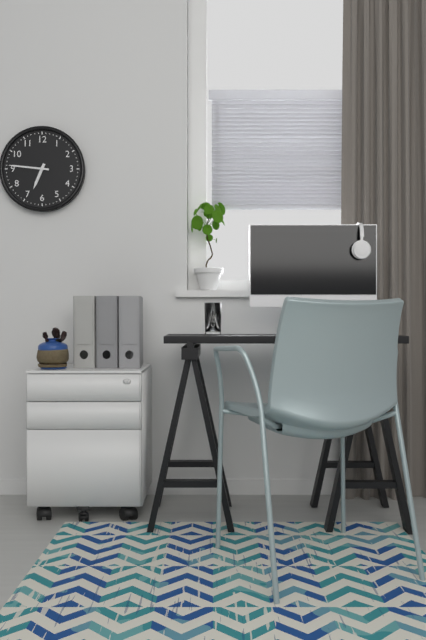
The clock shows 6 h 46 min
